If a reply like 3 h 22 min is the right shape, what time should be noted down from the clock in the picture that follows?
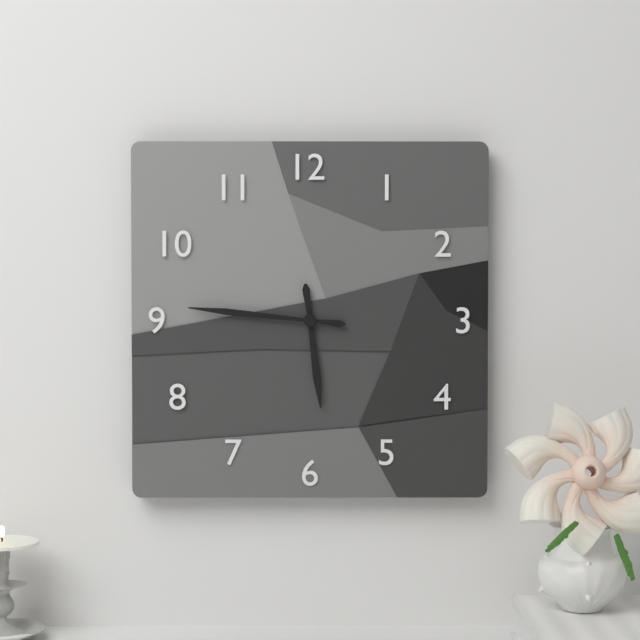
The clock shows 5 h 46 min
